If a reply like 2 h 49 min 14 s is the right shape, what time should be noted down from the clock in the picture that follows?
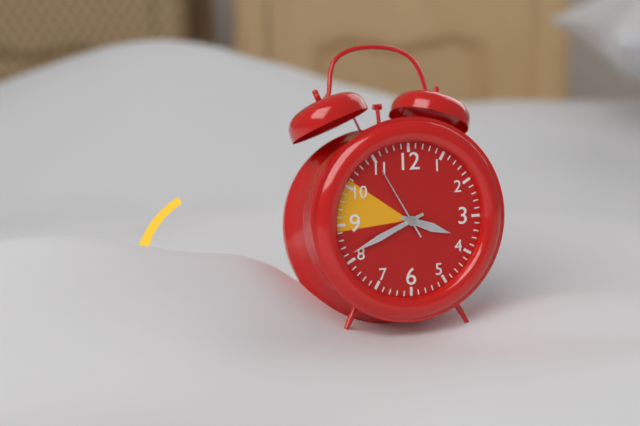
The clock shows 3 h 41 min 55 s
